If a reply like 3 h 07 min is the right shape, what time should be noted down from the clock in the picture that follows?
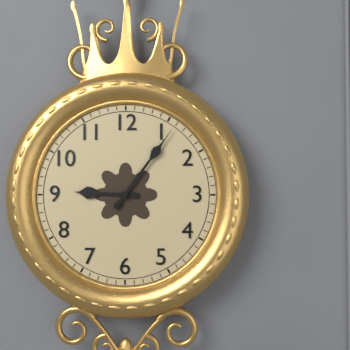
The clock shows 9 h 06 min
